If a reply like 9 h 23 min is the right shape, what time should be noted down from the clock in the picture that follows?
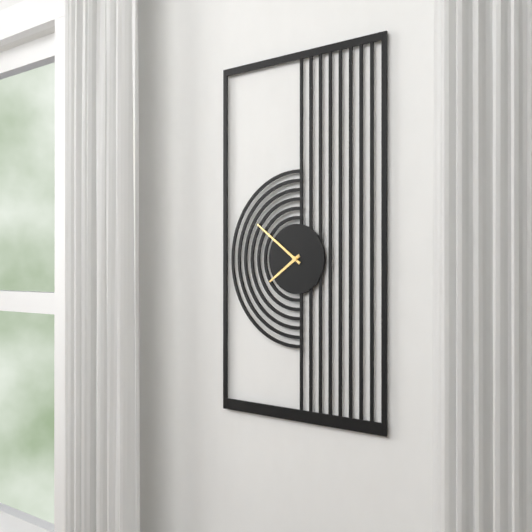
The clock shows 7 h 51 min
